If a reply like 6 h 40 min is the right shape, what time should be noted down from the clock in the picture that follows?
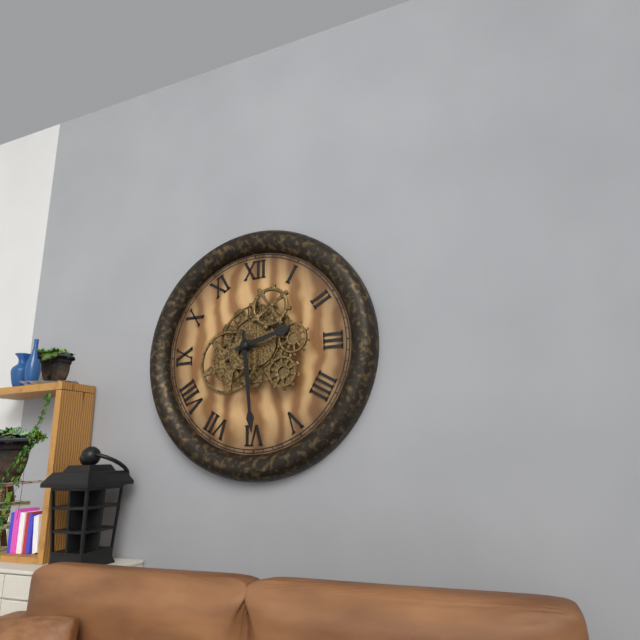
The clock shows 2 h 29 min
